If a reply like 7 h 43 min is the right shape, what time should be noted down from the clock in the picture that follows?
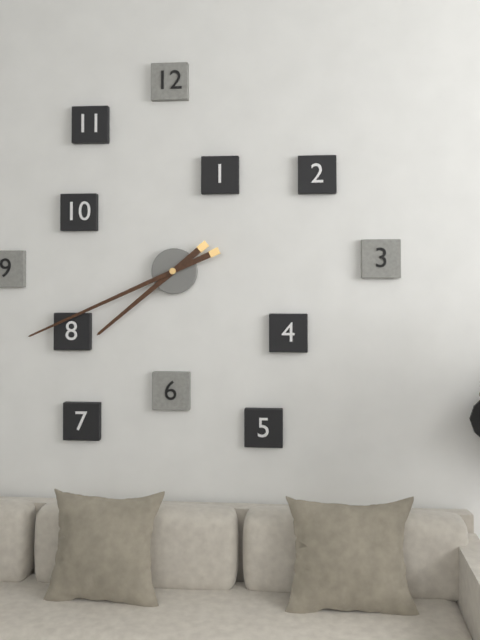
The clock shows 7 h 41 min
